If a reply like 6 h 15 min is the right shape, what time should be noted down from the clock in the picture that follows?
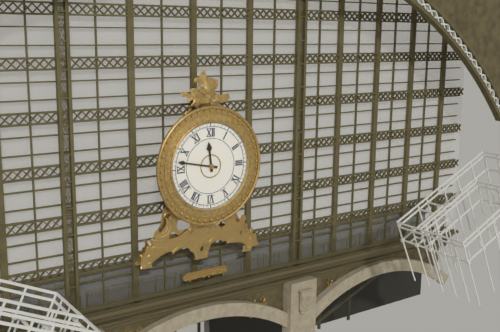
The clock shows 11 h 47 min
